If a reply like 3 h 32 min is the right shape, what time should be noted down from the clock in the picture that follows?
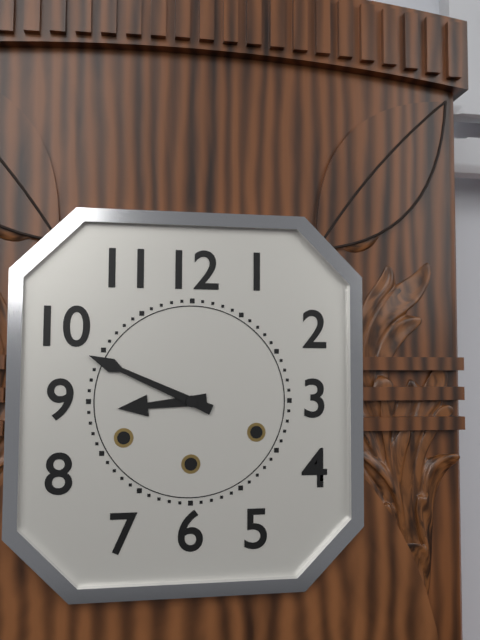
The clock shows 8 h 49 min
